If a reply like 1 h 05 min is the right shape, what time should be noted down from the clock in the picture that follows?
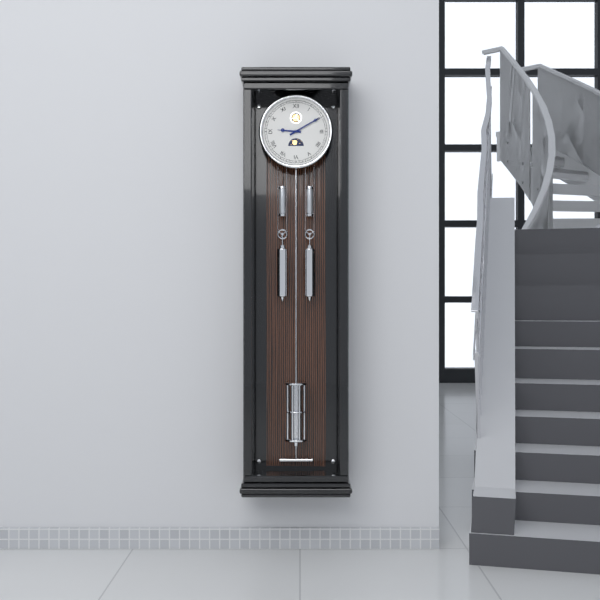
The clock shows 9 h 10 min
